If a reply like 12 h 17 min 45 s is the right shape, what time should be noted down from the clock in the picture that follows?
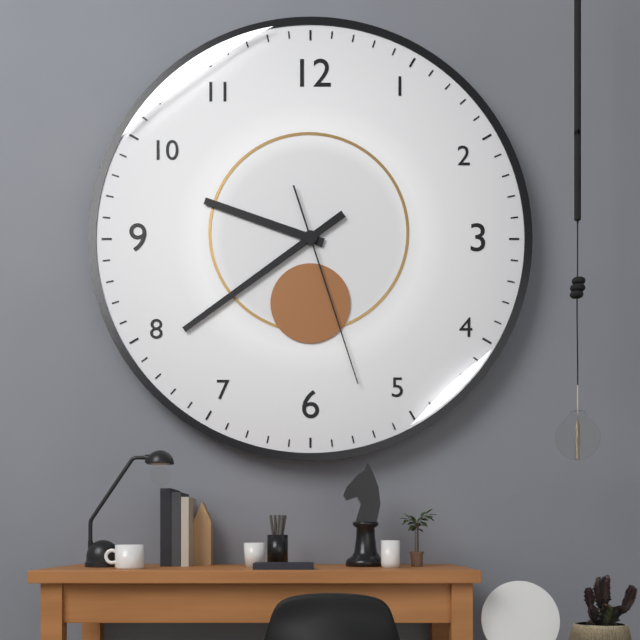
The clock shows 9 h 39 min 27 s
